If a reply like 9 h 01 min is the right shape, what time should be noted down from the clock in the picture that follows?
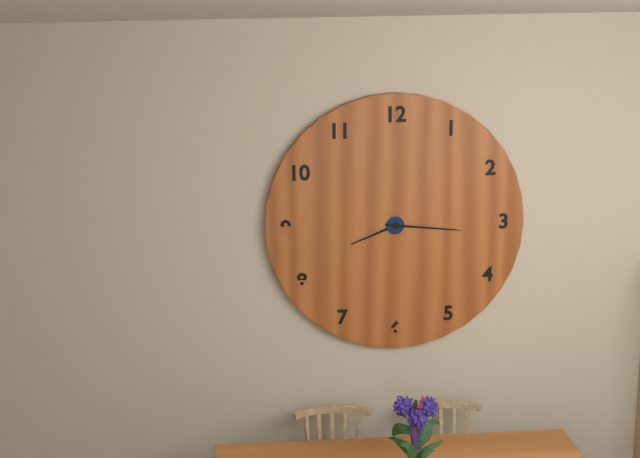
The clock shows 8 h 16 min
